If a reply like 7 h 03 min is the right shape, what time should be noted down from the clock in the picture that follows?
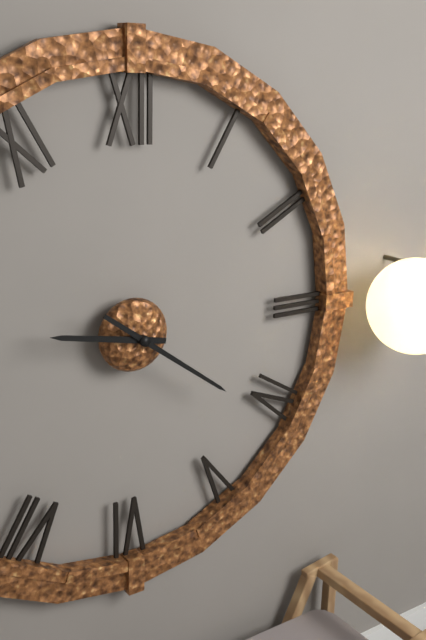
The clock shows 9 h 21 min
